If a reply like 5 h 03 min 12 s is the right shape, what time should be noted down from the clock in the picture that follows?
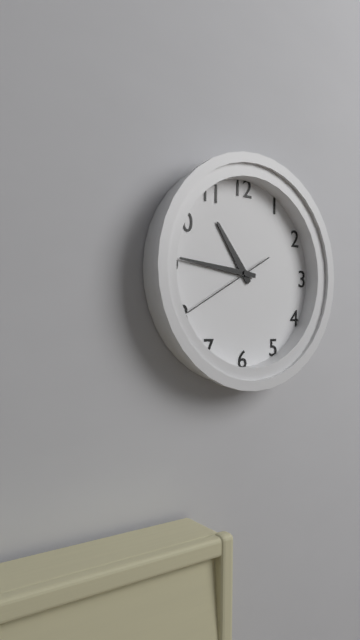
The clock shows 10 h 46 min 40 s
